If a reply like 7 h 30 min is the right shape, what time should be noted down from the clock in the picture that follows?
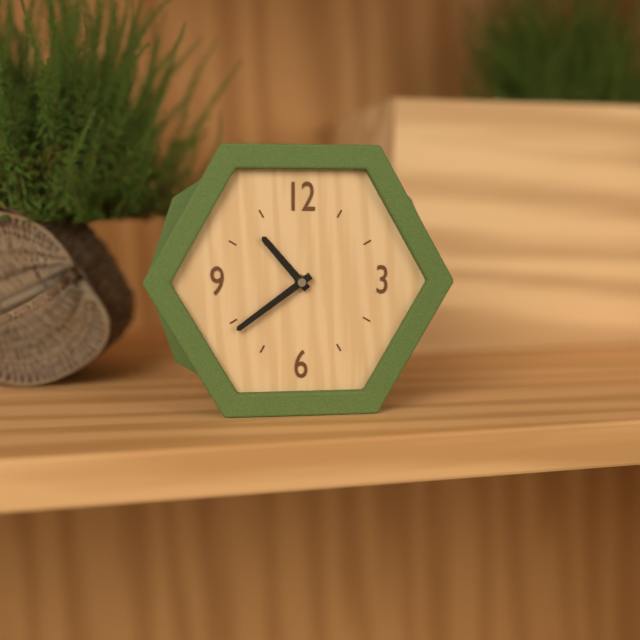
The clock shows 10 h 39 min
